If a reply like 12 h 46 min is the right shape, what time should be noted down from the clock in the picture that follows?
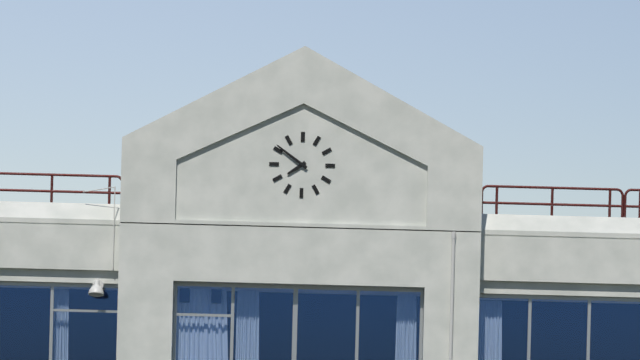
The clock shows 7 h 51 min
